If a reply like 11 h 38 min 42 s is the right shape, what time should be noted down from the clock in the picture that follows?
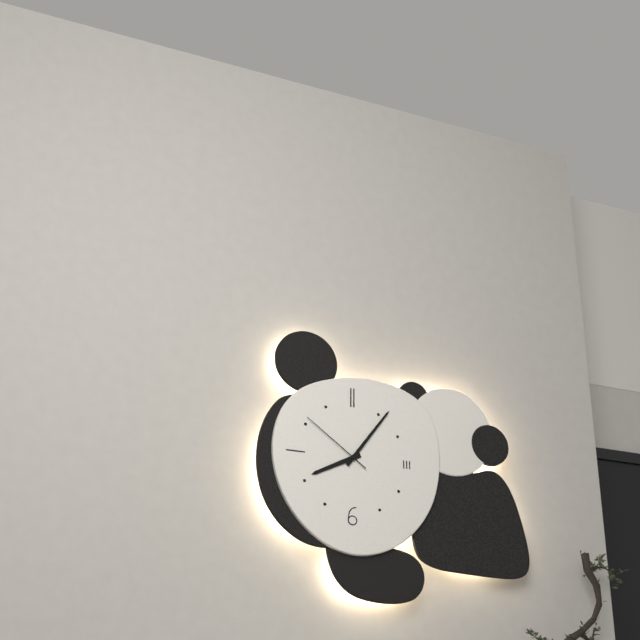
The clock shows 8 h 06 min 51 s
